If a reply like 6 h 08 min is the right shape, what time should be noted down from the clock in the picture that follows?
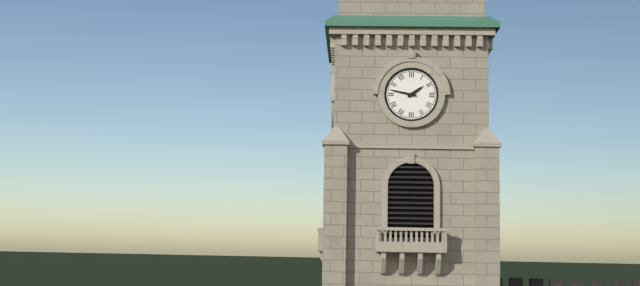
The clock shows 1 h 47 min
